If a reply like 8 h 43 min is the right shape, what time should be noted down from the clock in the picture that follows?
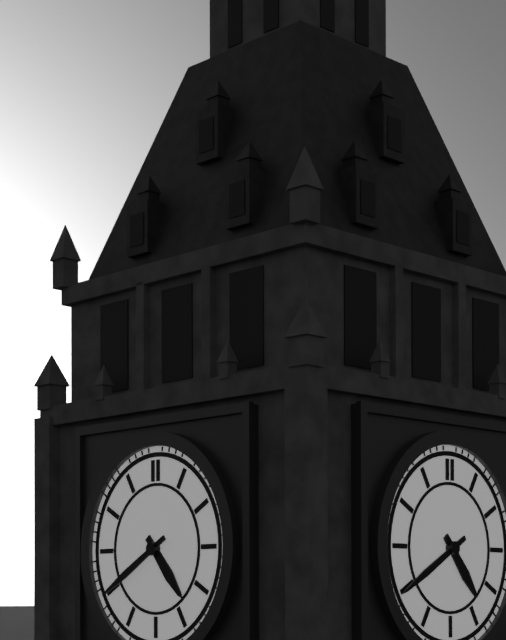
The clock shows 4 h 40 min
